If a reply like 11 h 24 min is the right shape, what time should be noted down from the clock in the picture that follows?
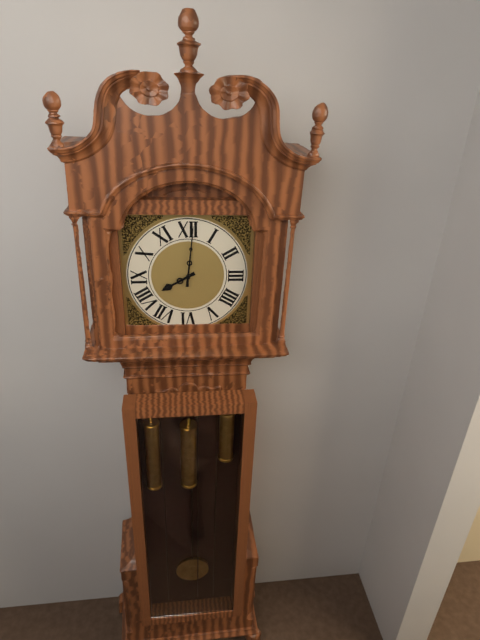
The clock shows 8 h 01 min
